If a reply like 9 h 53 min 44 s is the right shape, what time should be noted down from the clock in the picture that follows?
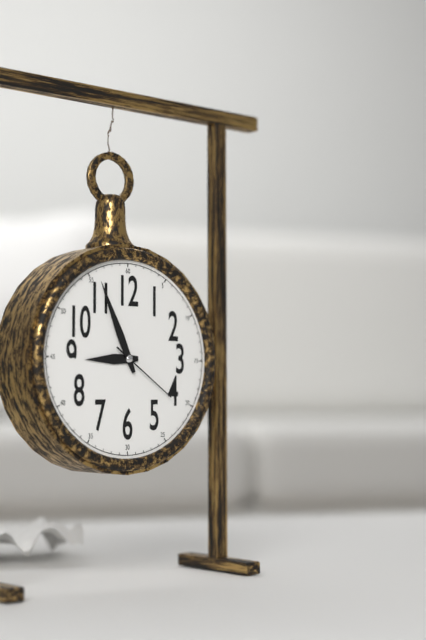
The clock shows 8 h 56 min 21 s
